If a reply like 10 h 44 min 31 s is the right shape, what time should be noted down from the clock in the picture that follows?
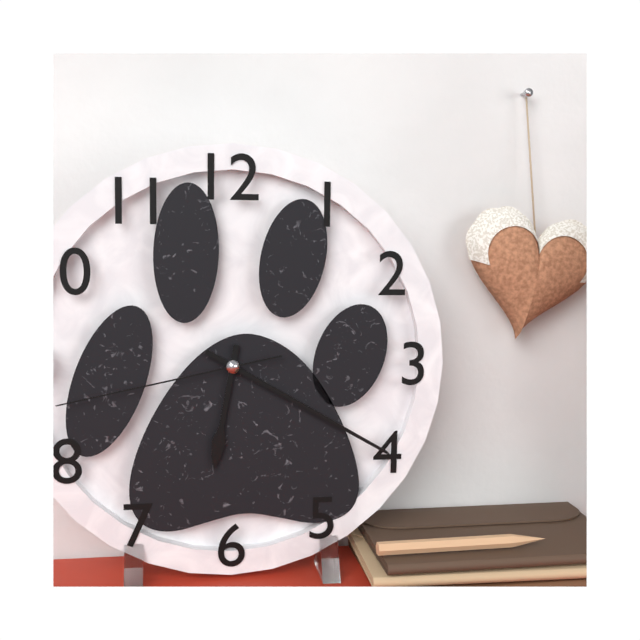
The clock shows 6 h 20 min 43 s
